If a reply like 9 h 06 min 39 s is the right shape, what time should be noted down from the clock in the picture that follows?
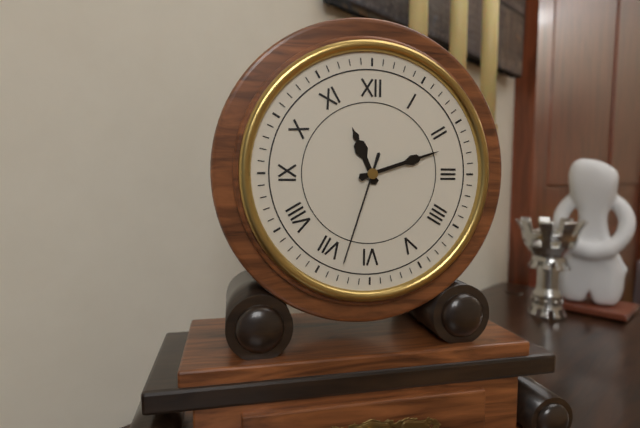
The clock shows 11 h 12 min 33 s
